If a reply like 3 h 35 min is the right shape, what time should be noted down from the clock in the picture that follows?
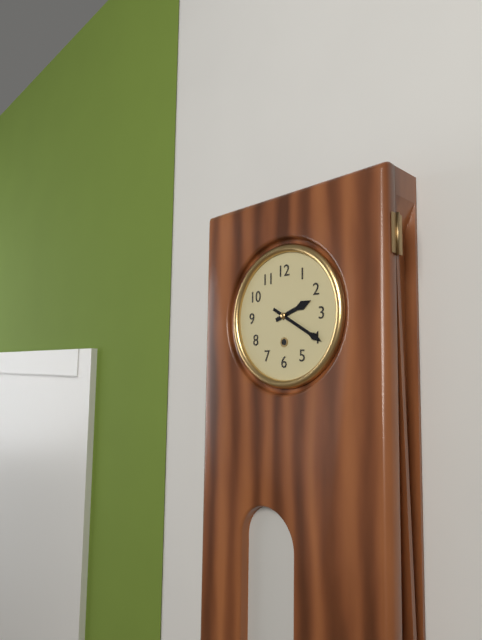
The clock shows 2 h 20 min
